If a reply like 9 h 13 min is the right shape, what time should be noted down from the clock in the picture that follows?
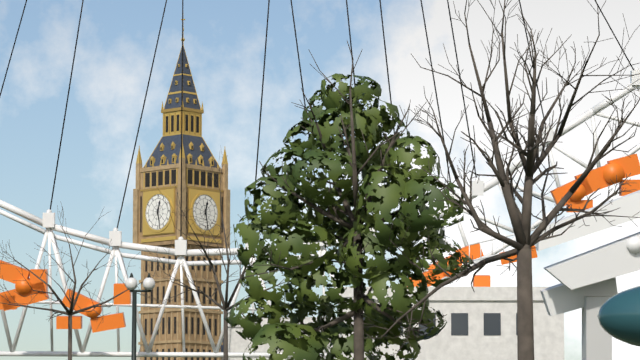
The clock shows 12 h 28 min
